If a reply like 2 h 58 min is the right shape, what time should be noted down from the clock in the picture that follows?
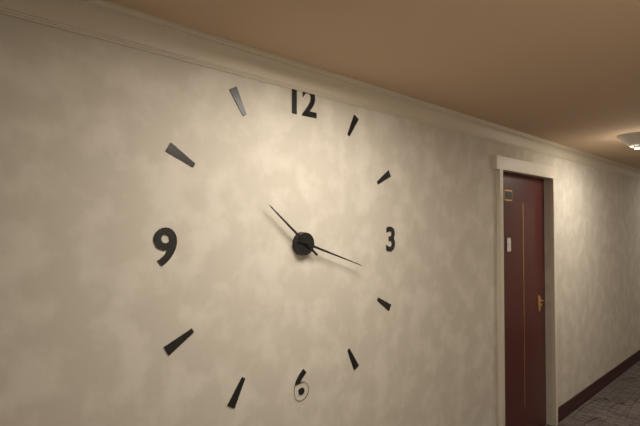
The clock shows 10 h 18 min
